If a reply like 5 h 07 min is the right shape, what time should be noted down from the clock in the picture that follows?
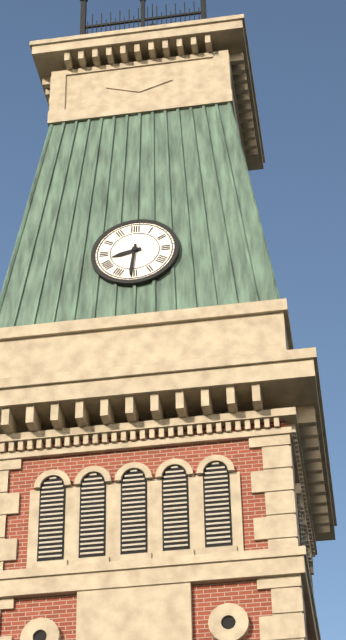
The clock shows 8 h 31 min
